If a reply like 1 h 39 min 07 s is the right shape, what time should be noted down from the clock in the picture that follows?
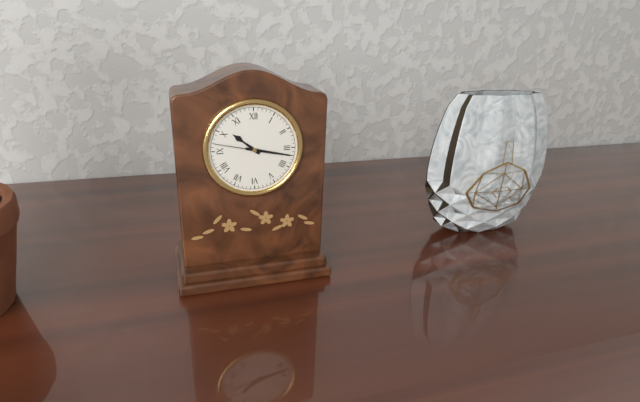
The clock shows 10 h 17 min 47 s
